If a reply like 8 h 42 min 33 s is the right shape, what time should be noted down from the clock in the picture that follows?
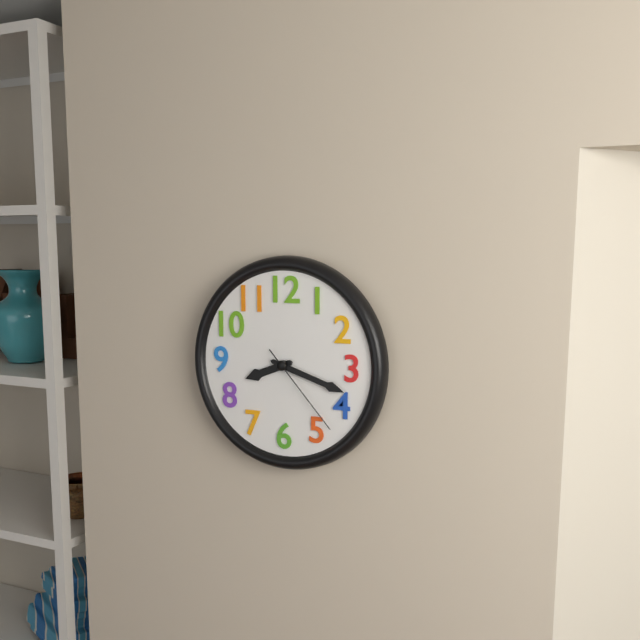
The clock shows 8 h 18 min 23 s
